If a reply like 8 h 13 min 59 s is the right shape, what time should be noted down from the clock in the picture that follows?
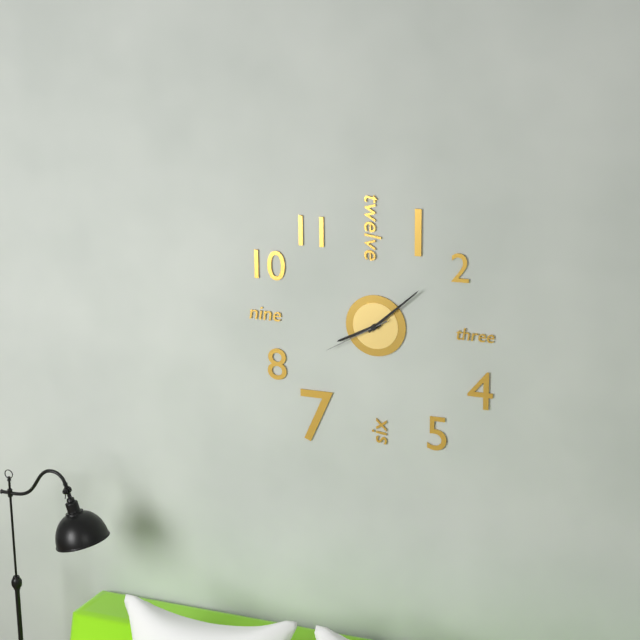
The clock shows 8 h 08 min 40 s
